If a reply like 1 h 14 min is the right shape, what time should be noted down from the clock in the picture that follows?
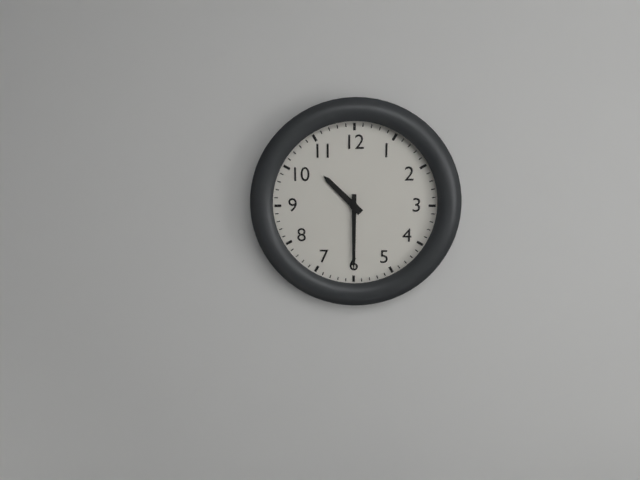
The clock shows 10 h 30 min
